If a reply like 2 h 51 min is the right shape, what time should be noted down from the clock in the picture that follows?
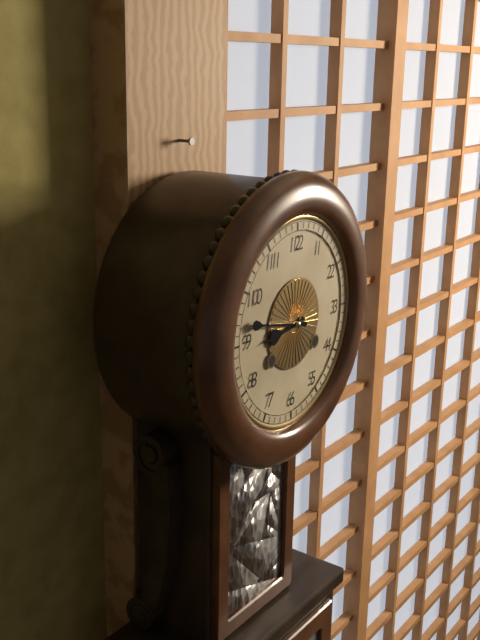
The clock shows 8 h 47 min
